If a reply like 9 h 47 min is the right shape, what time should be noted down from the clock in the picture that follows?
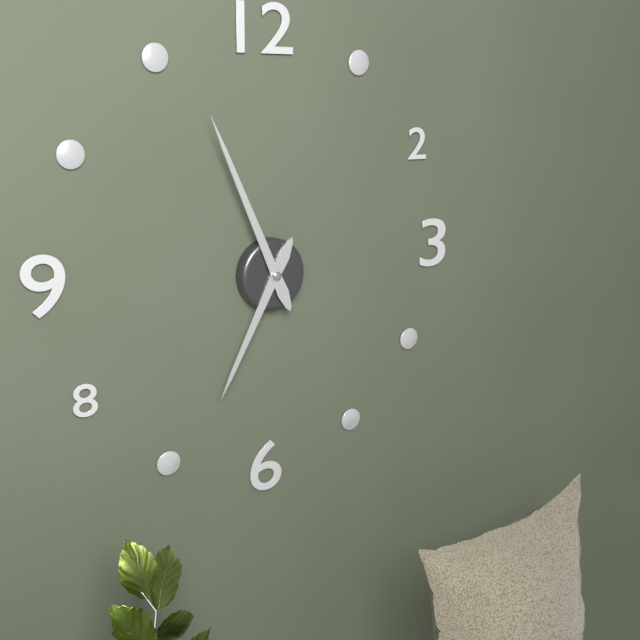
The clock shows 6 h 56 min
